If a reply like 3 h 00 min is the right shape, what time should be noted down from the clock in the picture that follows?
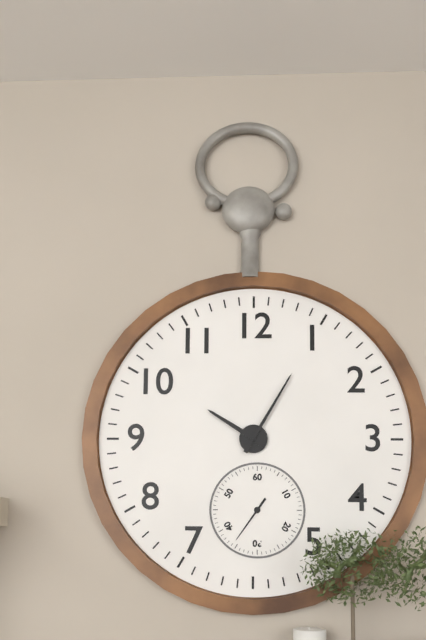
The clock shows 10 h 05 min
